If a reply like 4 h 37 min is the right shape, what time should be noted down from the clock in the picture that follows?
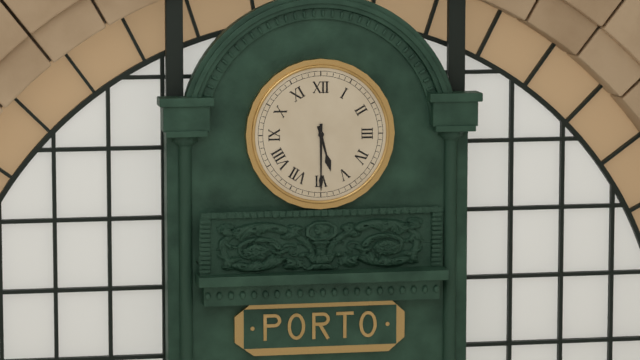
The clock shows 5 h 30 min
